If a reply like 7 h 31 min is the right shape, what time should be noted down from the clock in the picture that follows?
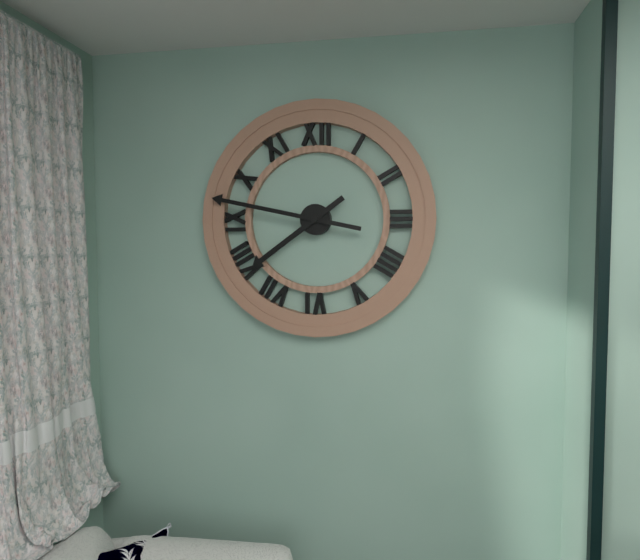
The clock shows 7 h 47 min
